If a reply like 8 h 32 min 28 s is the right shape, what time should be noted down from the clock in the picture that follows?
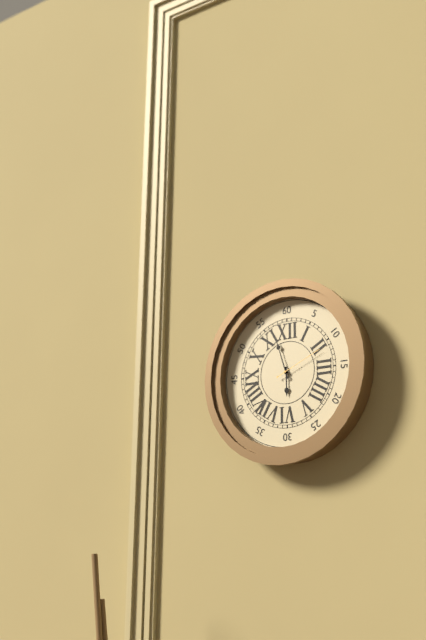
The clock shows 5 h 57 min 11 s
